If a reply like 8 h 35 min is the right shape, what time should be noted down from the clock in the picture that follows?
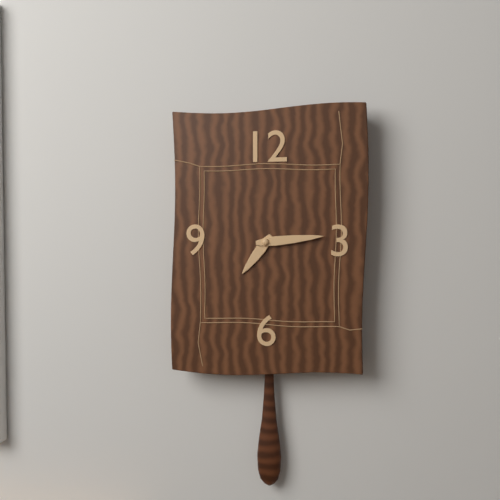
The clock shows 7 h 14 min
